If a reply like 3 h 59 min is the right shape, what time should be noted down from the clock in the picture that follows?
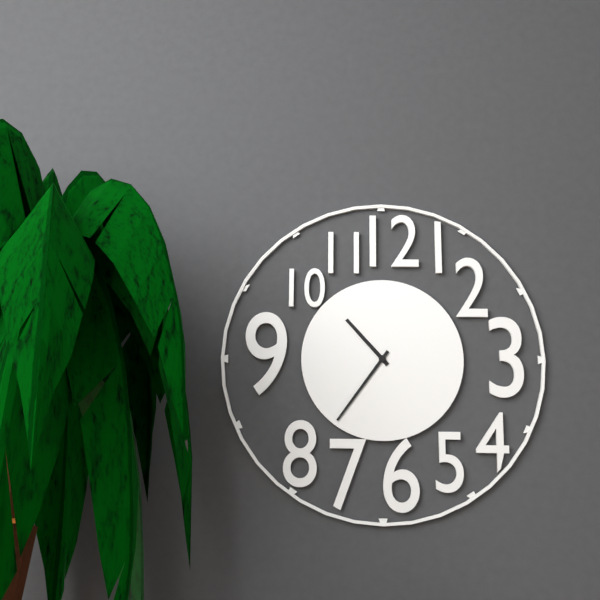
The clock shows 10 h 36 min
